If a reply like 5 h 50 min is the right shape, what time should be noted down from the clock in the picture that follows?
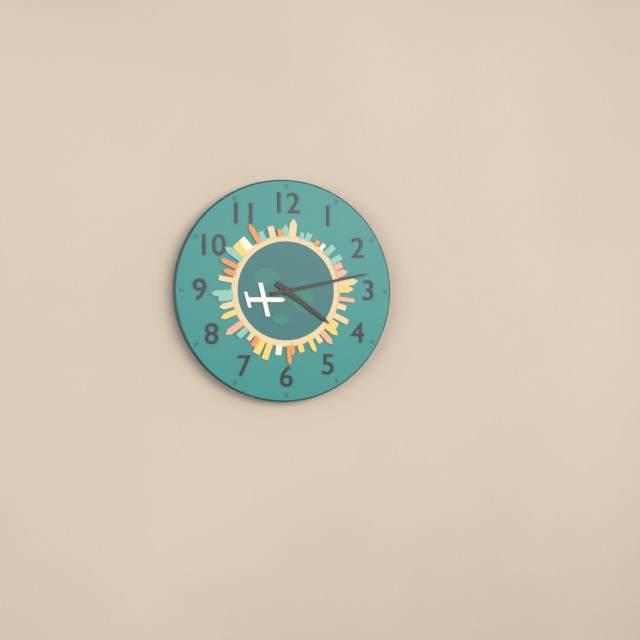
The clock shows 4 h 13 min
